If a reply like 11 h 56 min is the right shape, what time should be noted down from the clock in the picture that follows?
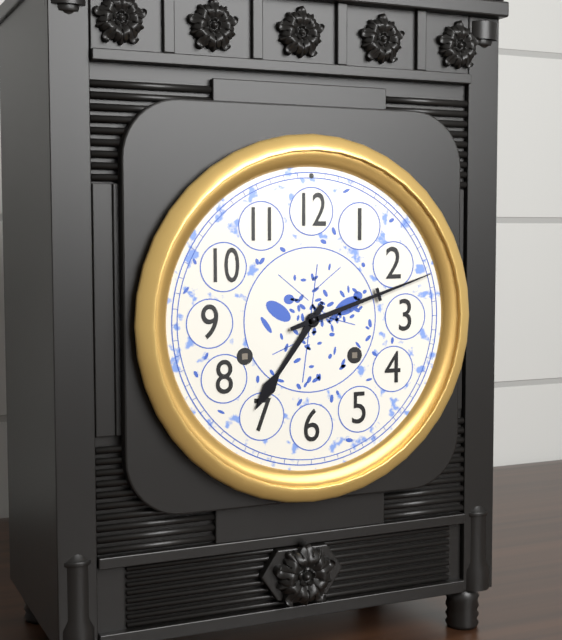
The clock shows 7 h 12 min
